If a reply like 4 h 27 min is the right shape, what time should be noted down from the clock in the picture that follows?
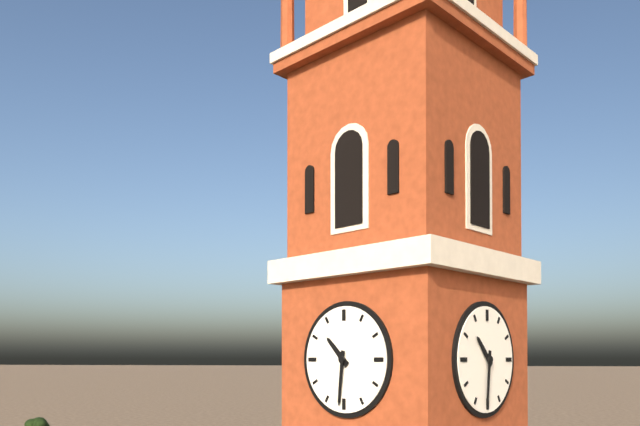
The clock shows 10 h 31 min
